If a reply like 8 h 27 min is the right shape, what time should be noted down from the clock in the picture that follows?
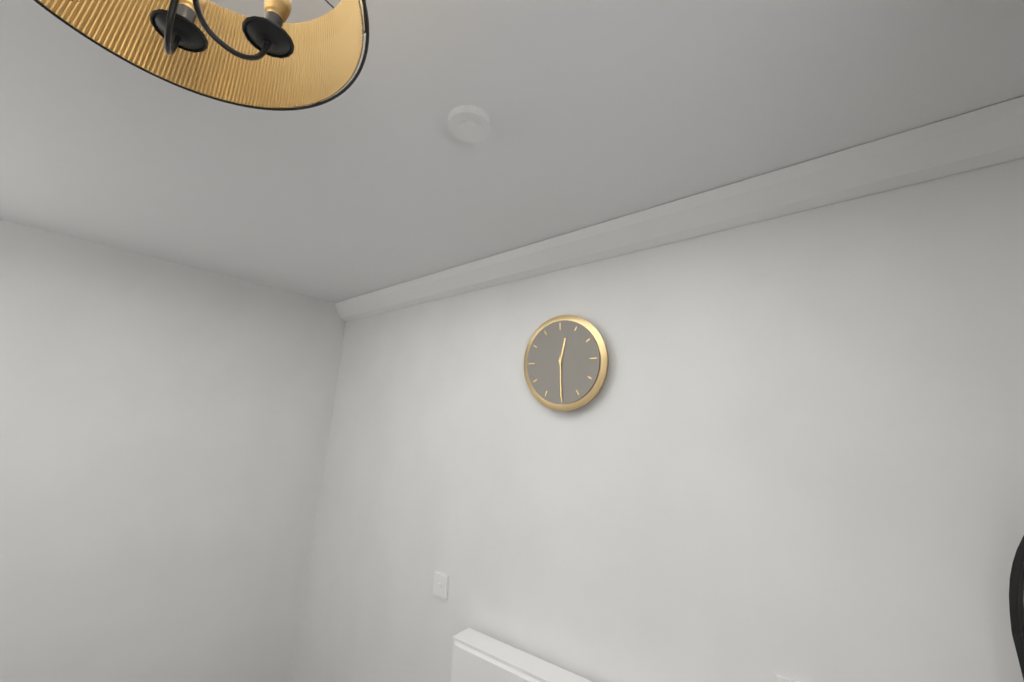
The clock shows 12 h 30 min
